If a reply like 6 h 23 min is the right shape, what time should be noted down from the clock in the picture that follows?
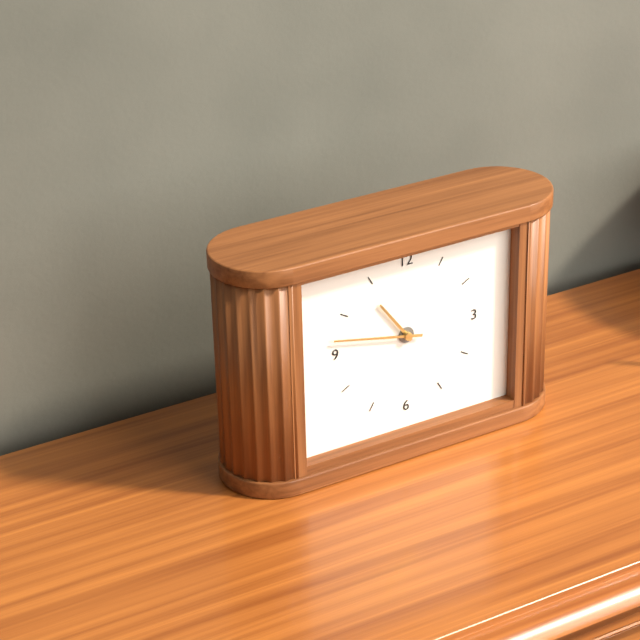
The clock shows 10 h 47 min
